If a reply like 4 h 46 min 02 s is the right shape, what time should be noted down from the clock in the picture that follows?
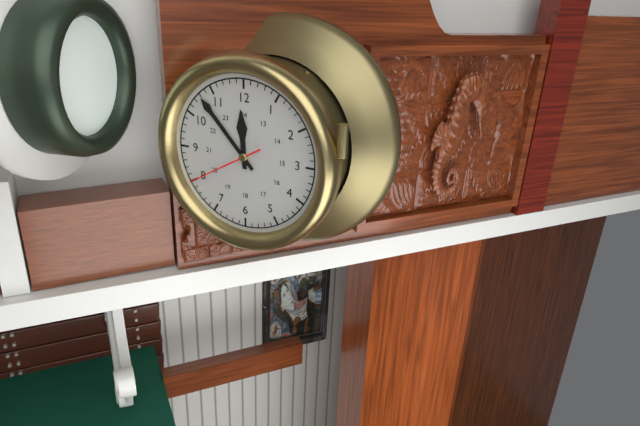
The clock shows 11 h 53 min 40 s
